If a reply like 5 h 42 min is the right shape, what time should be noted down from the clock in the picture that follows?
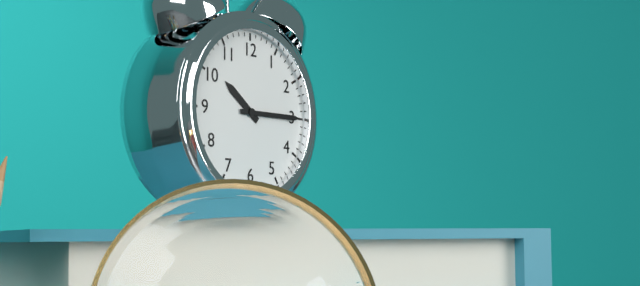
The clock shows 10 h 15 min
